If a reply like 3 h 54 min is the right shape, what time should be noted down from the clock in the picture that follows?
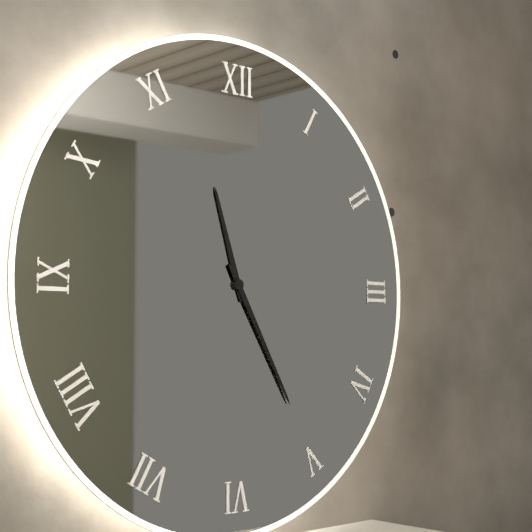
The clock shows 11 h 25 min
